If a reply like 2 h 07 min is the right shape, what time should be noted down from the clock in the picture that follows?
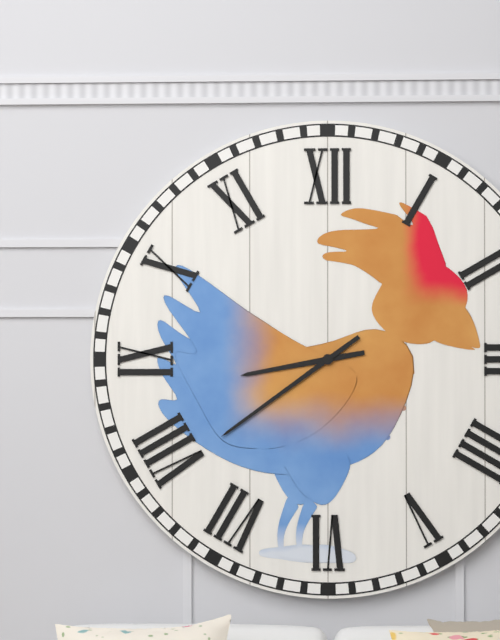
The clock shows 8 h 39 min
